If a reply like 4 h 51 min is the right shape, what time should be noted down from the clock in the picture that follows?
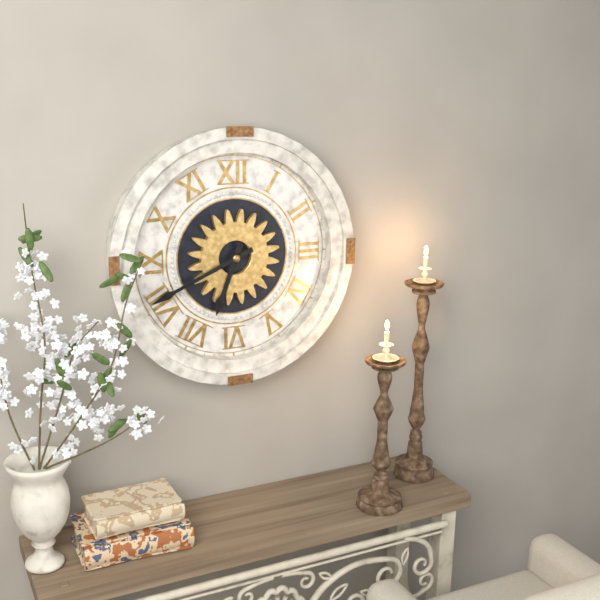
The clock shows 6 h 41 min
